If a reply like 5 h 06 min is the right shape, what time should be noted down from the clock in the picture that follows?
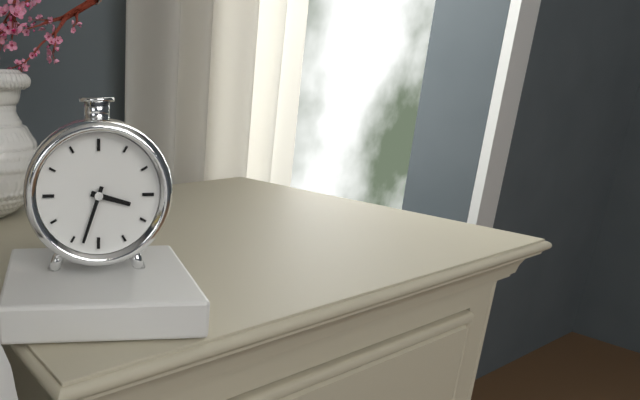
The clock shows 3 h 33 min
